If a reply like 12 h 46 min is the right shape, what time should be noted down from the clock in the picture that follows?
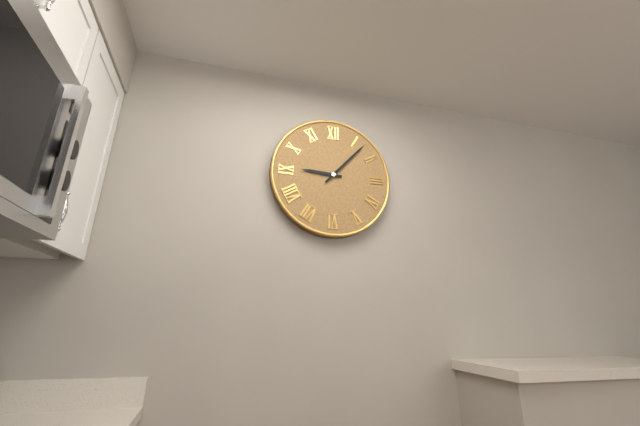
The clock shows 9 h 07 min
